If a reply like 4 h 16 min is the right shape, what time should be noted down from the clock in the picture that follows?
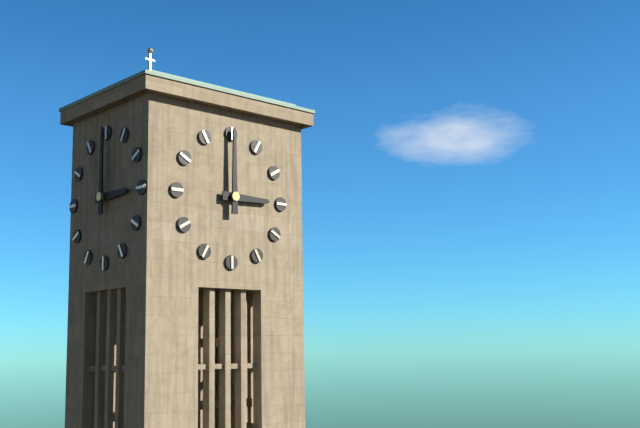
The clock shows 3 h 00 min
